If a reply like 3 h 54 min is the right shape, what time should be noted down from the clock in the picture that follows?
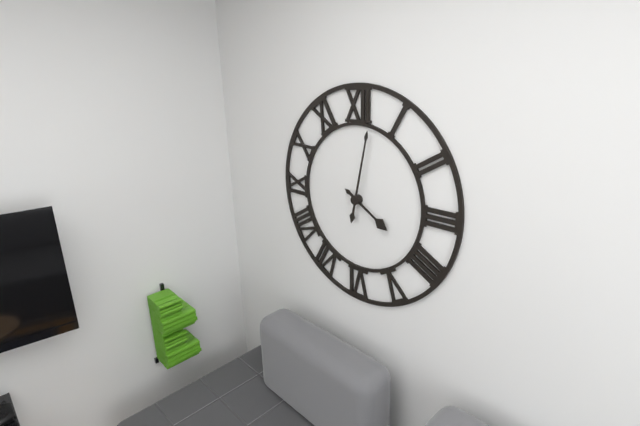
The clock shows 4 h 02 min
